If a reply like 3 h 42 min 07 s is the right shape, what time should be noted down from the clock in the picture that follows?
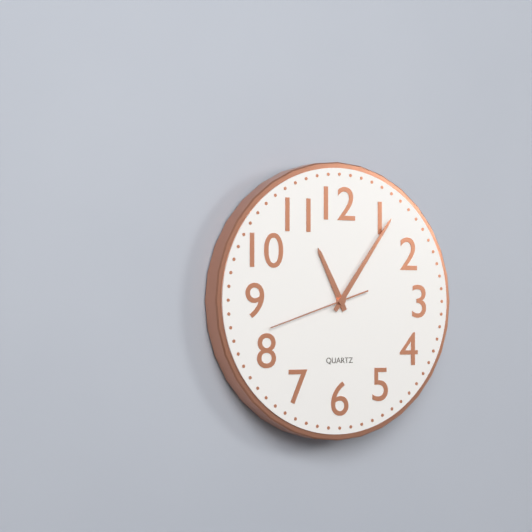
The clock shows 11 h 06 min 42 s
